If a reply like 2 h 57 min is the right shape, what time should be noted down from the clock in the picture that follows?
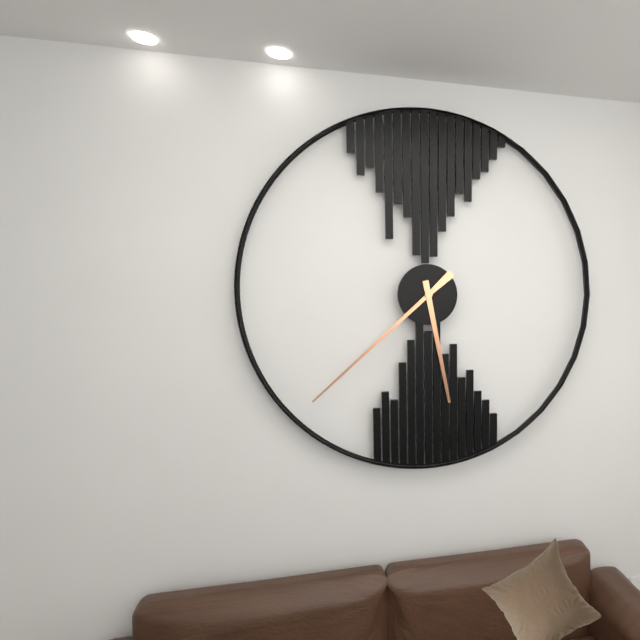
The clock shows 5 h 38 min
